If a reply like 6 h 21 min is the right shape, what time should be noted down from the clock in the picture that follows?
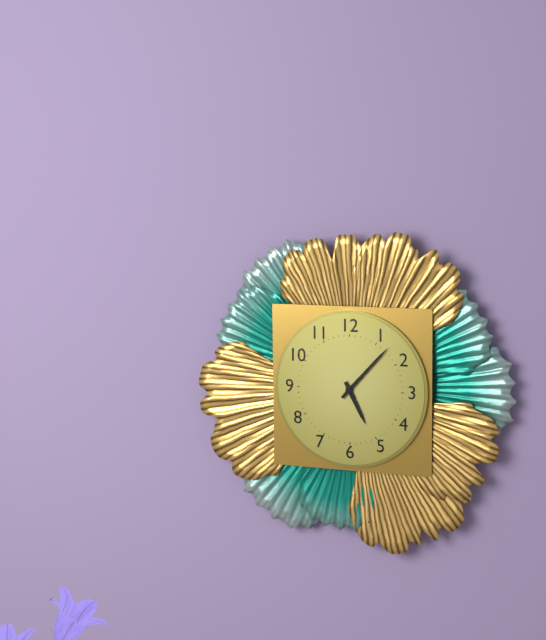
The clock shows 5 h 07 min
